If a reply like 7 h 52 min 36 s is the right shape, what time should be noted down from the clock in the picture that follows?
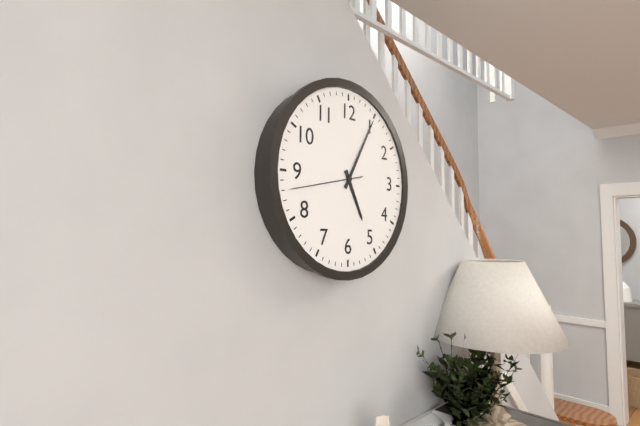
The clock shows 5 h 05 min 43 s
